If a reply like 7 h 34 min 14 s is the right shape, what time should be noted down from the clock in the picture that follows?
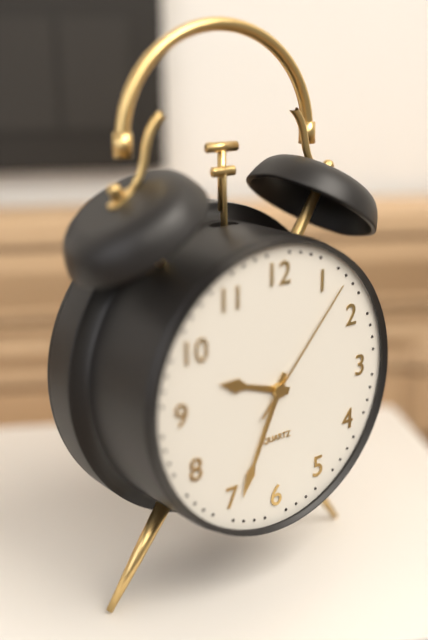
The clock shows 9 h 34 min 07 s
